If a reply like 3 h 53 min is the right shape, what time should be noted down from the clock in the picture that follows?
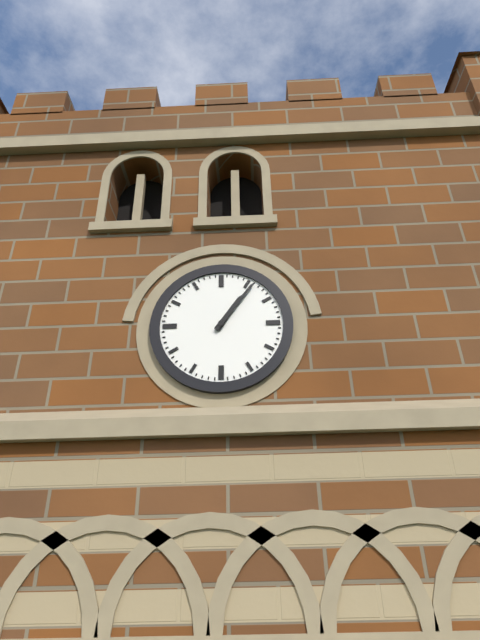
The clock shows 1 h 06 min
